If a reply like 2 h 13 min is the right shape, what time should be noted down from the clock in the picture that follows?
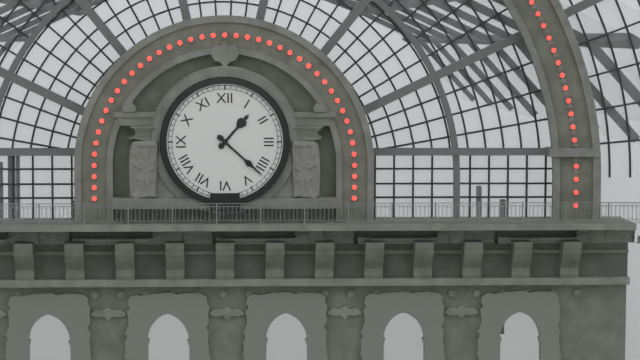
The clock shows 1 h 22 min
